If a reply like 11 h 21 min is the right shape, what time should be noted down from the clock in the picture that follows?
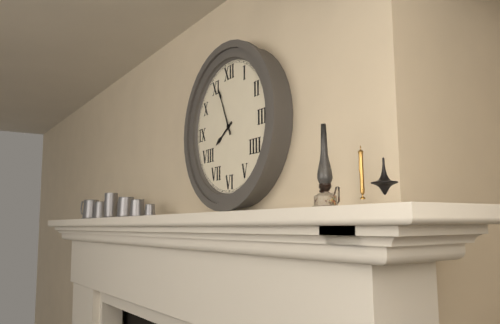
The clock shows 7 h 56 min
